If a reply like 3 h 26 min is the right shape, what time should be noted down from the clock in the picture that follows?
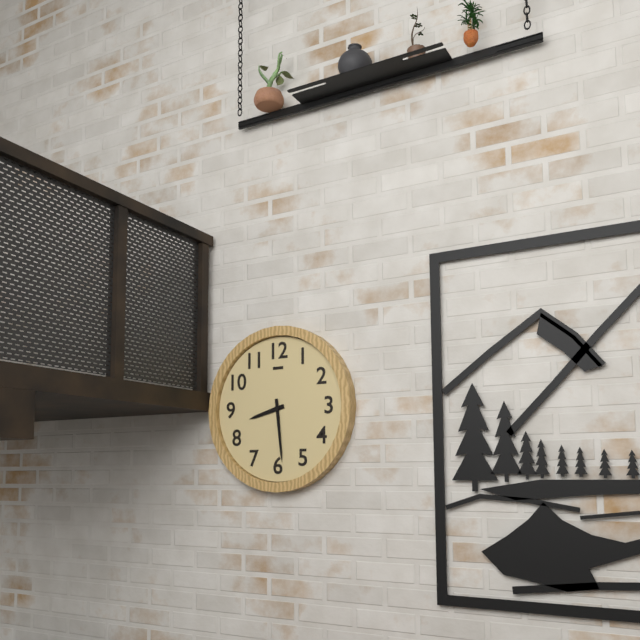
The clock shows 8 h 29 min
